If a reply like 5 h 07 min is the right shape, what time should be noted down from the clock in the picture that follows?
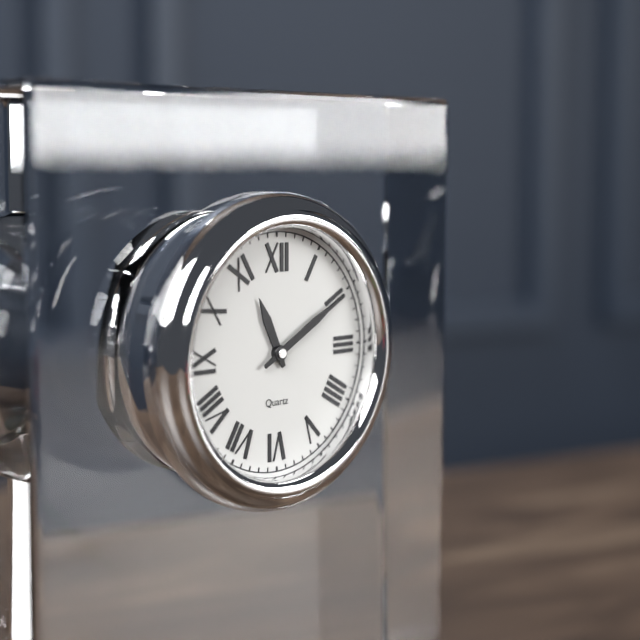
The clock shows 11 h 10 min
